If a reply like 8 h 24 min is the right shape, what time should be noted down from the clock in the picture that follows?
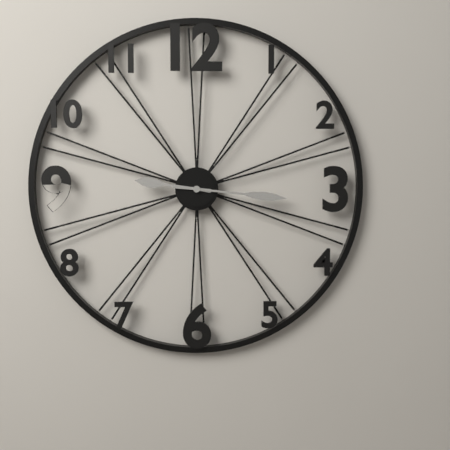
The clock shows 9 h 16 min
